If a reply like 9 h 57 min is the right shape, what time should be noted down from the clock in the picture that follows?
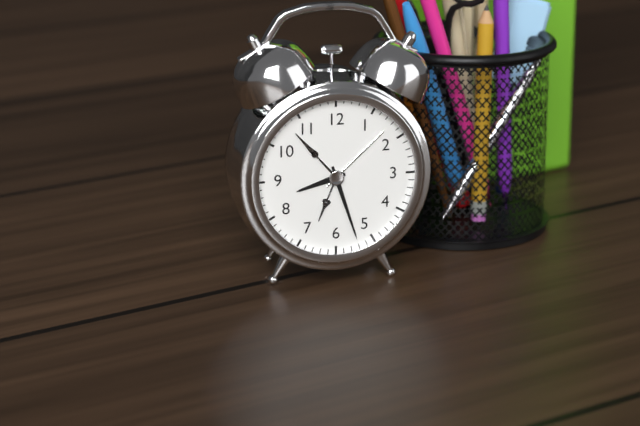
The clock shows 8 h 27 min
